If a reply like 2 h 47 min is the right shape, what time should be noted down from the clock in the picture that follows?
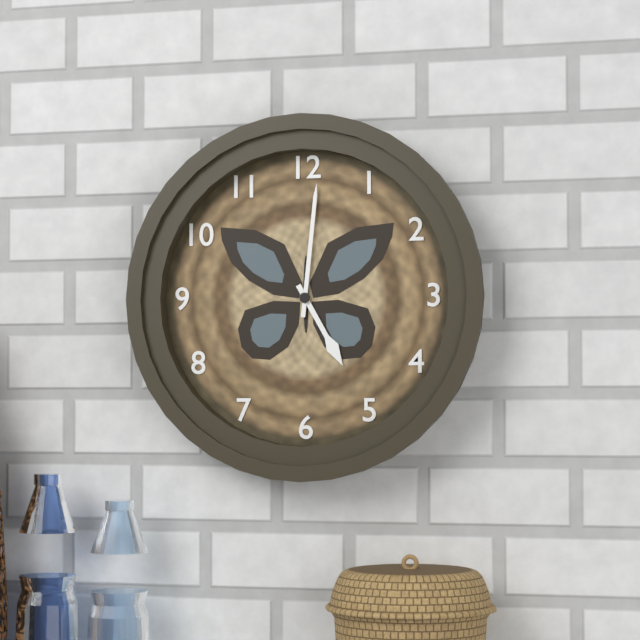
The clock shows 5 h 01 min
